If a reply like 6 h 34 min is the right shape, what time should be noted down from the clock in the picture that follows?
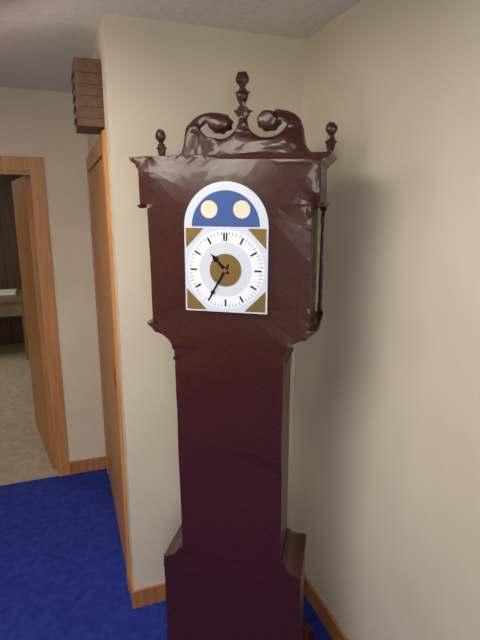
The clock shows 10 h 35 min
